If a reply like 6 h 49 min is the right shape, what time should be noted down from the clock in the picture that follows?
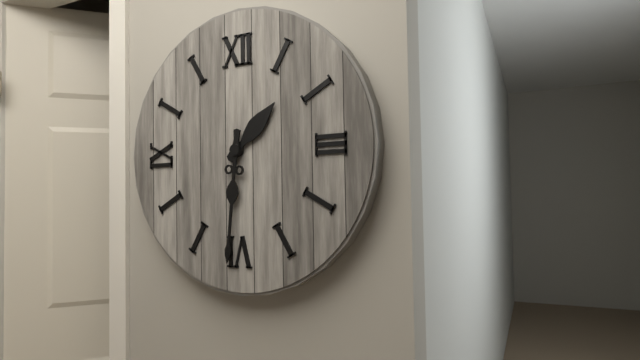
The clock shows 1 h 31 min
